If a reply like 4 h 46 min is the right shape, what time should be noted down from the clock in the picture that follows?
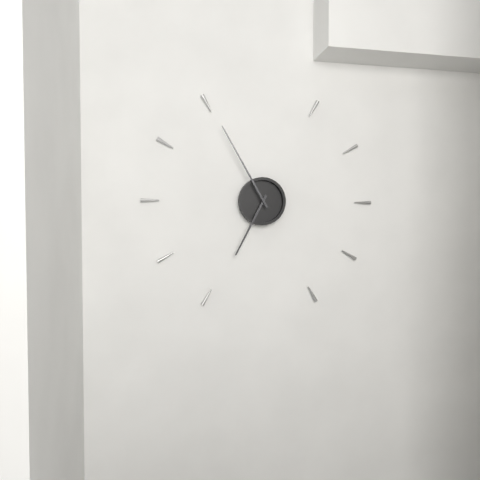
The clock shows 6 h 55 min
